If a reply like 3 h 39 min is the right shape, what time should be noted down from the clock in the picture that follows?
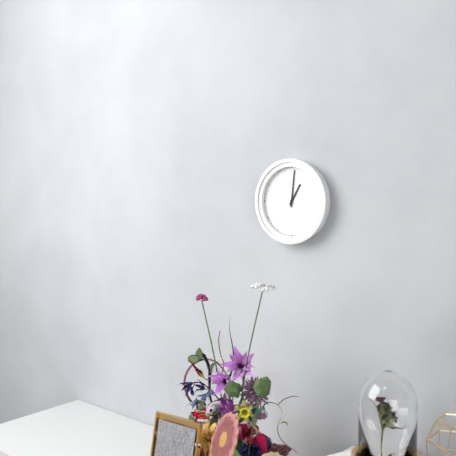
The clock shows 1 h 01 min
